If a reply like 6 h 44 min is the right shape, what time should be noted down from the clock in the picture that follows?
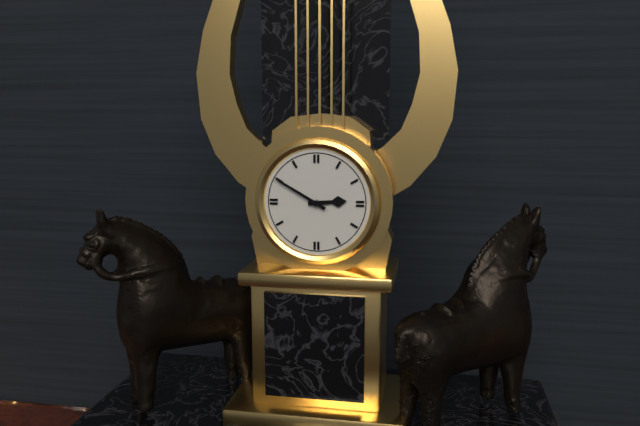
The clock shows 2 h 50 min
